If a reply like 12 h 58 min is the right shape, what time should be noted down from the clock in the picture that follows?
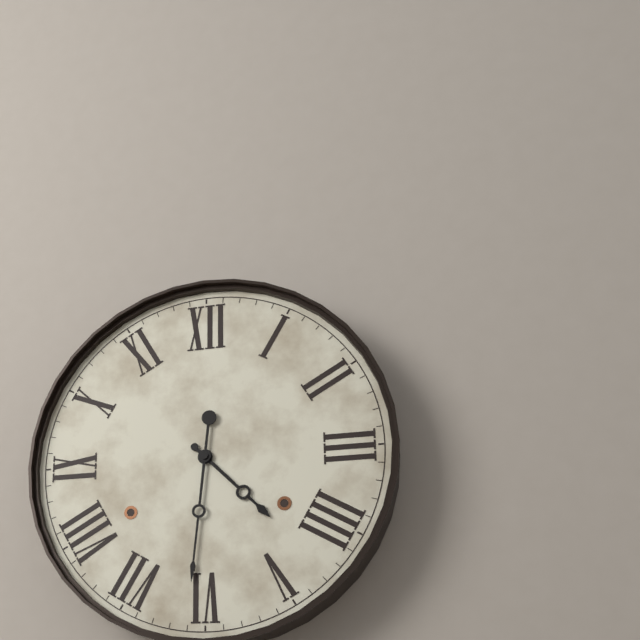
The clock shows 4 h 31 min
